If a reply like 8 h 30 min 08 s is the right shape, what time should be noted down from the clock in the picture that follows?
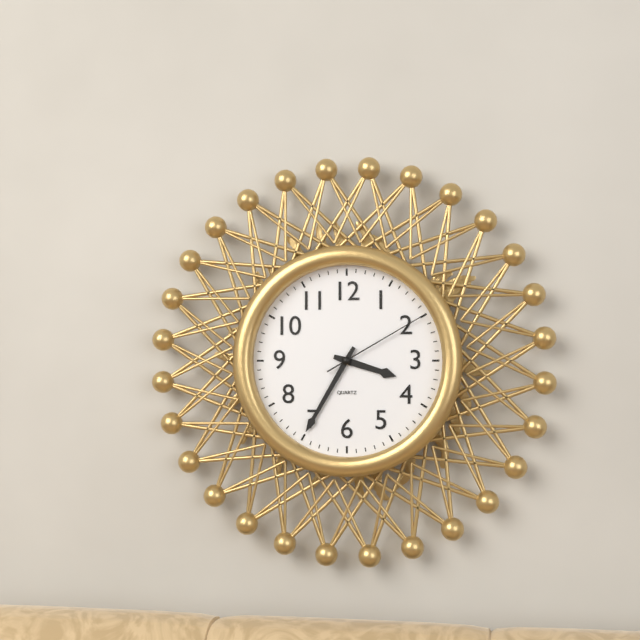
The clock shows 3 h 35 min 10 s
